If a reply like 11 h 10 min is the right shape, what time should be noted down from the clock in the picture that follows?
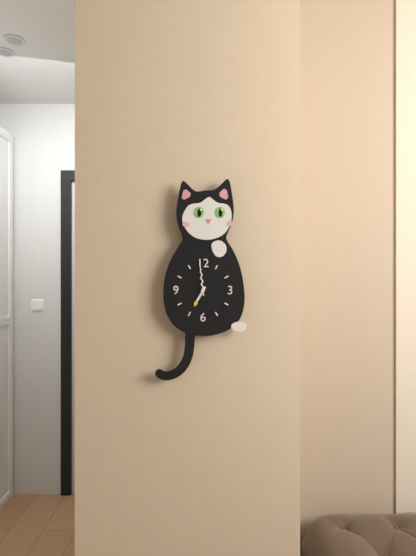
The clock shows 6 h 59 min
